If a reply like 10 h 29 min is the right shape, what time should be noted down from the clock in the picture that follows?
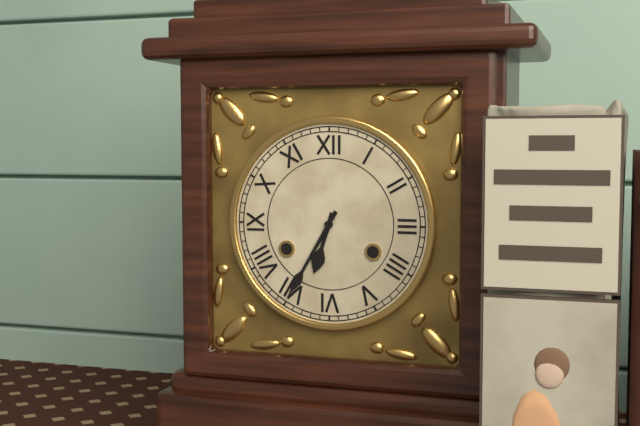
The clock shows 6 h 35 min
